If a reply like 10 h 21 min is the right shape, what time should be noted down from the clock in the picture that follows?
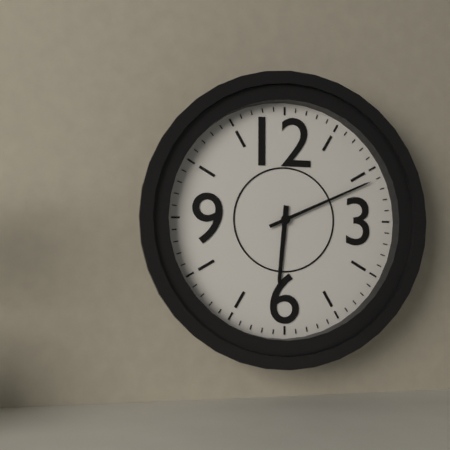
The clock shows 6 h 11 min
